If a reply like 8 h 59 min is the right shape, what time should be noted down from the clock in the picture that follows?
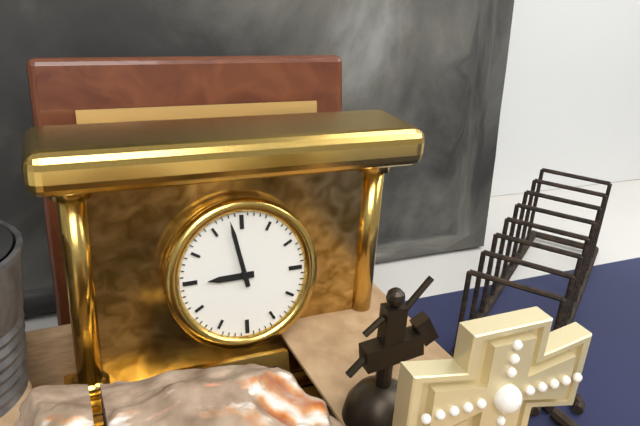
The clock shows 8 h 58 min
